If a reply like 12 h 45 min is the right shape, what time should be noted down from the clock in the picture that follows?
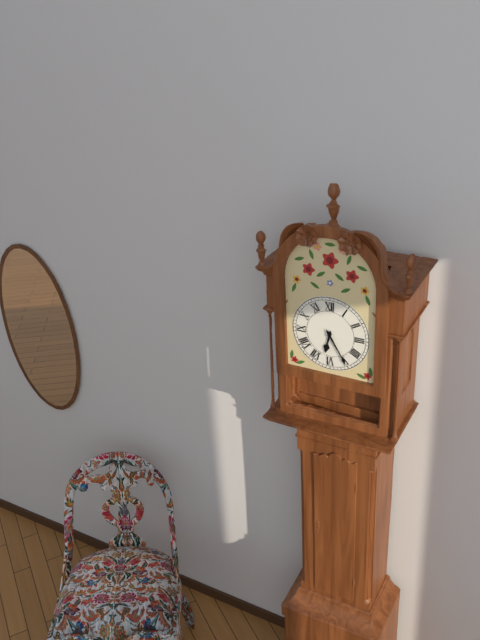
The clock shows 6 h 25 min
